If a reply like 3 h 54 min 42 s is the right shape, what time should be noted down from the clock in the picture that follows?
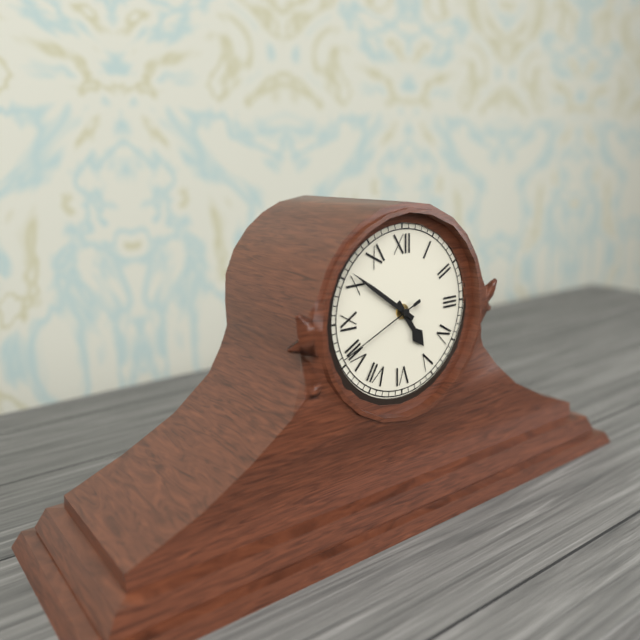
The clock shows 4 h 51 min 41 s
